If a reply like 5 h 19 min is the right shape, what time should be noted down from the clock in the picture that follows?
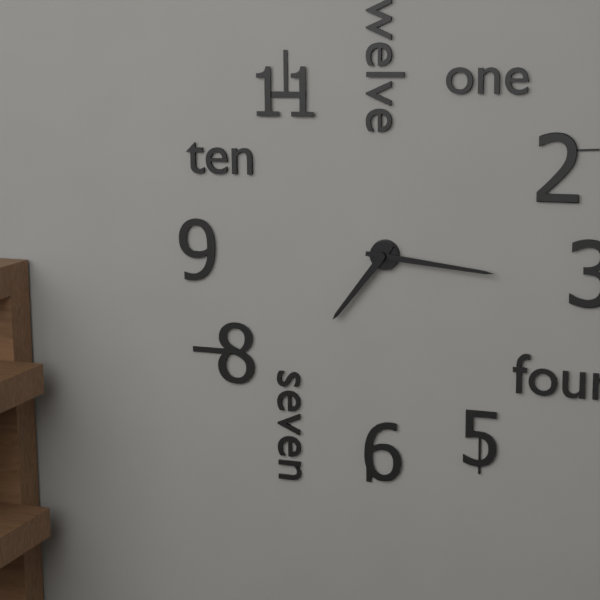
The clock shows 7 h 16 min
